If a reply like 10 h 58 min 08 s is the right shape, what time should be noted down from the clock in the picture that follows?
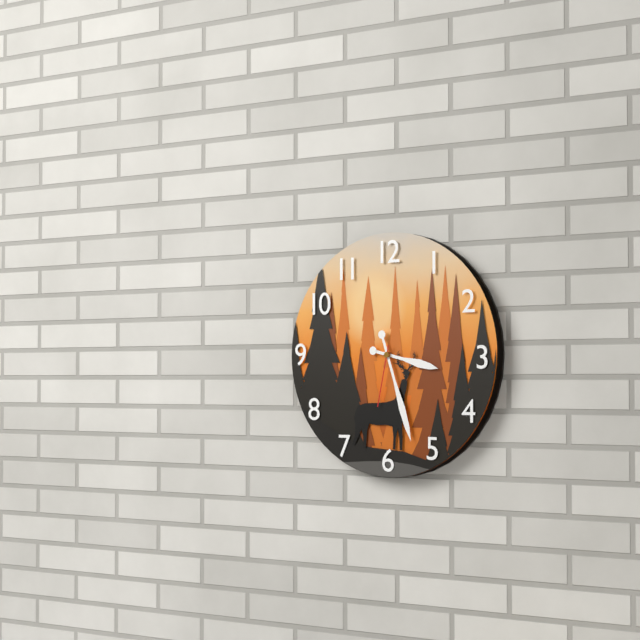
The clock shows 3 h 27 min 32 s
